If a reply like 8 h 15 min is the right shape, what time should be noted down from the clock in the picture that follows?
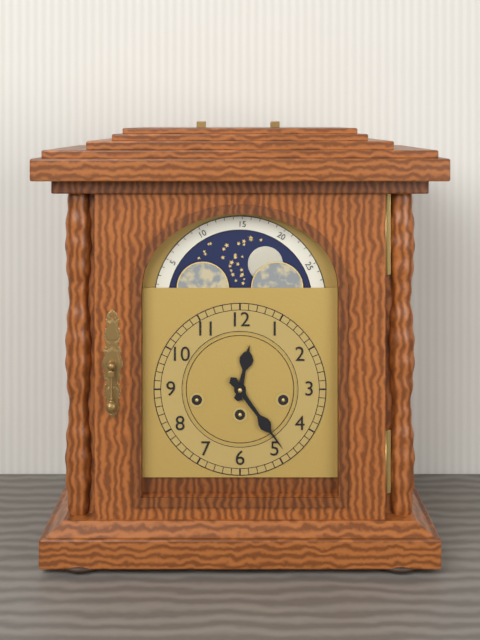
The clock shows 12 h 24 min
